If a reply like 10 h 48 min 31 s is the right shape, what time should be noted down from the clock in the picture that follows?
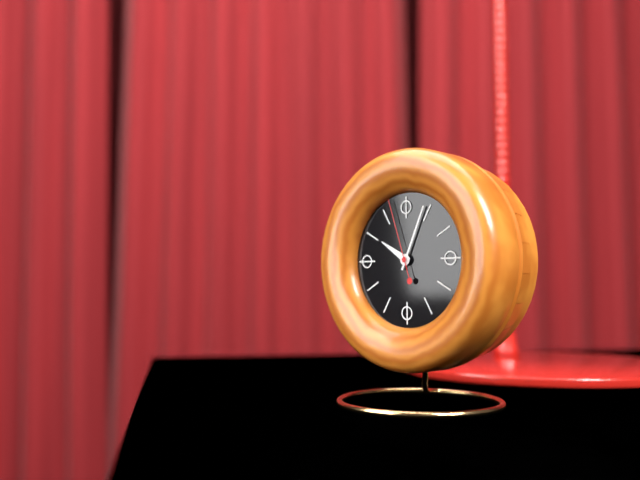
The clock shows 10 h 04 min 57 s
